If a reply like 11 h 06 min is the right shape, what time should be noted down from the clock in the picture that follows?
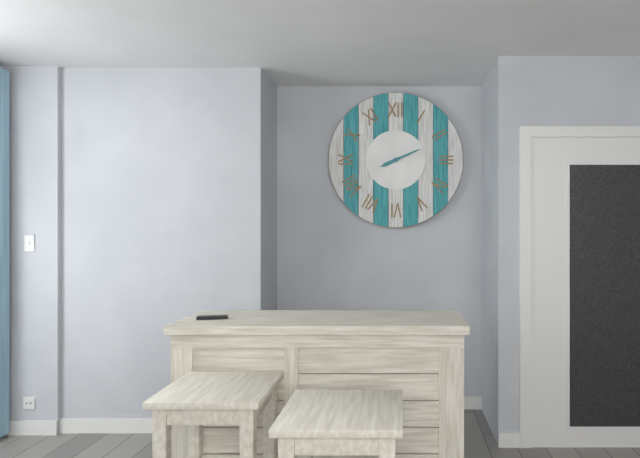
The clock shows 8 h 11 min
